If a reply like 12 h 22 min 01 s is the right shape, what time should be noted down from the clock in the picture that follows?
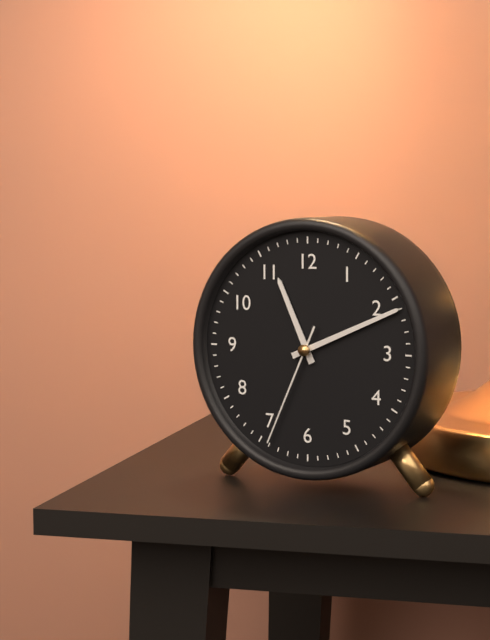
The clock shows 11 h 11 min 34 s
